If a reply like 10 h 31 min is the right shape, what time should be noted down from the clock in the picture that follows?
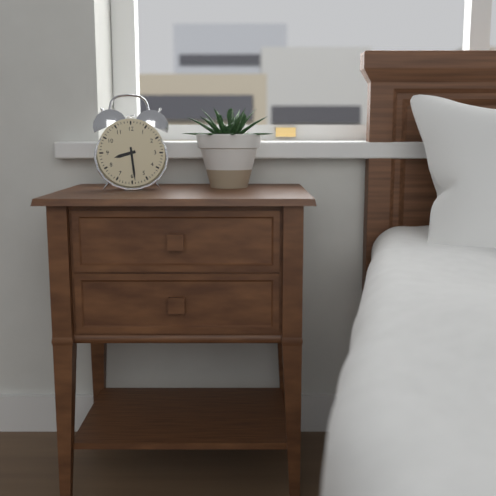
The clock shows 8 h 29 min
